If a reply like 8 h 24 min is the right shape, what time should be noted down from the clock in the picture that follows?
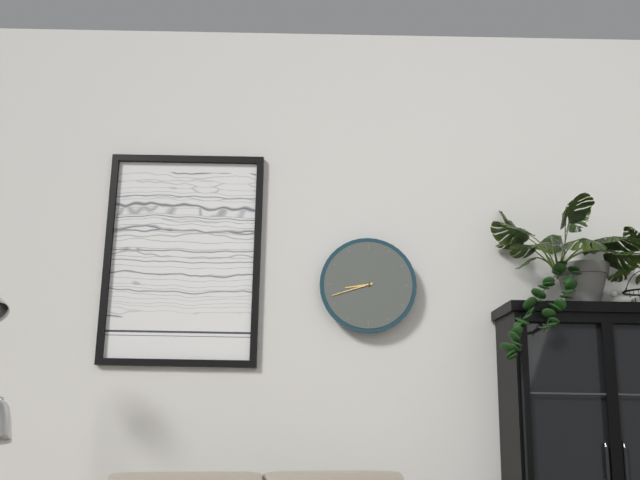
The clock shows 8 h 42 min
